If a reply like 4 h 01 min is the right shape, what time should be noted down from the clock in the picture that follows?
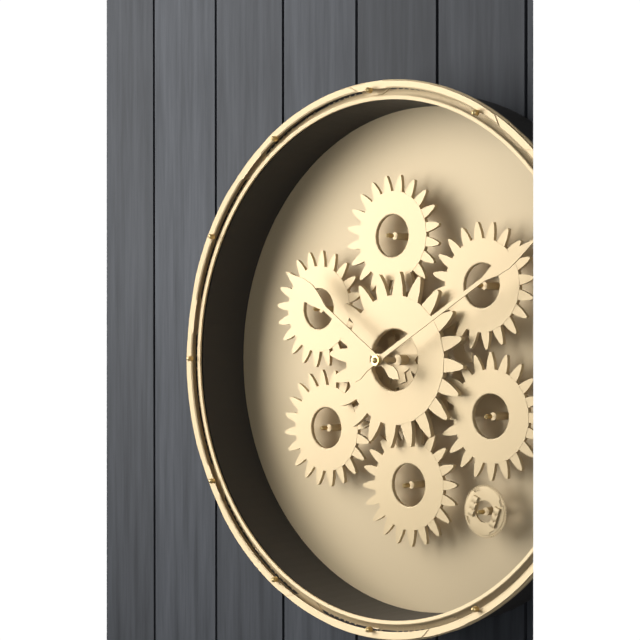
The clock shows 10 h 10 min
